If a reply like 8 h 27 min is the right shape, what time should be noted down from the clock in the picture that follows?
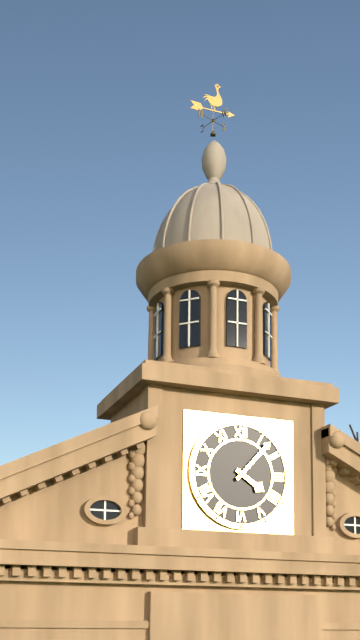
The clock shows 4 h 07 min
